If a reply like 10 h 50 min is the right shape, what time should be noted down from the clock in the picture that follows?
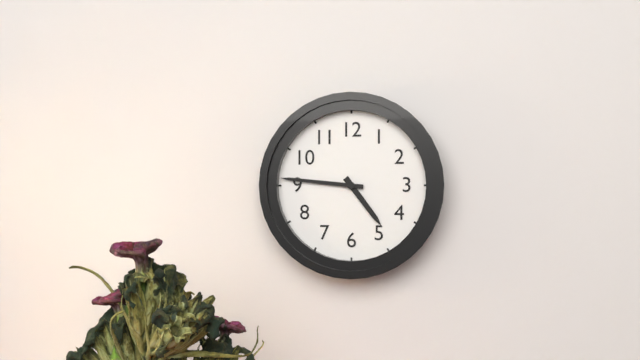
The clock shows 4 h 46 min
